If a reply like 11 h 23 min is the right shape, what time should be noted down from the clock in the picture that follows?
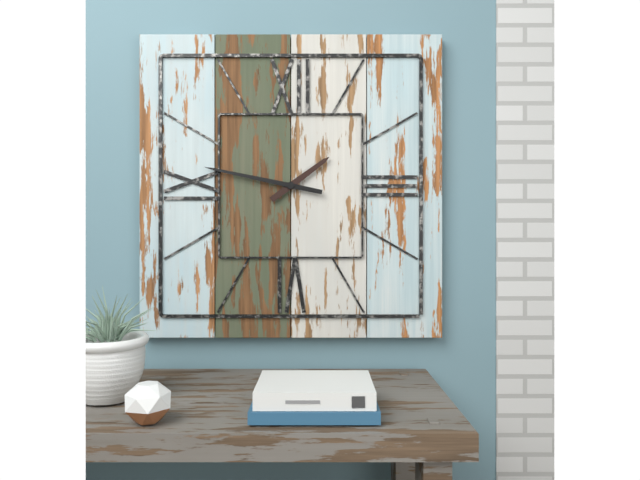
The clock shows 1 h 47 min
